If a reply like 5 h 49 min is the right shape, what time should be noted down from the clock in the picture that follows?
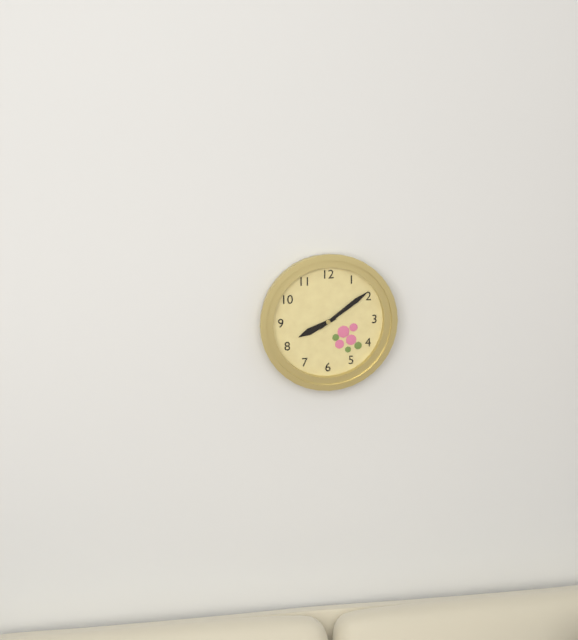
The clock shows 8 h 09 min
